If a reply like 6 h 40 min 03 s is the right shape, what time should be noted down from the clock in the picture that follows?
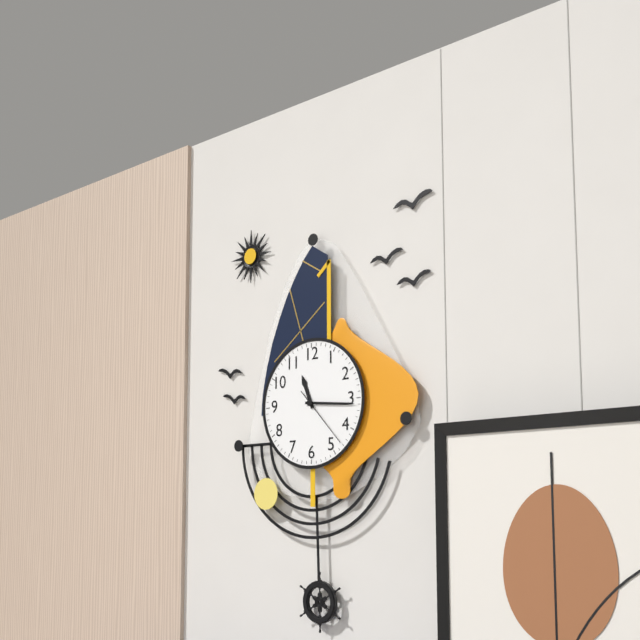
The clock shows 11 h 16 min 23 s
